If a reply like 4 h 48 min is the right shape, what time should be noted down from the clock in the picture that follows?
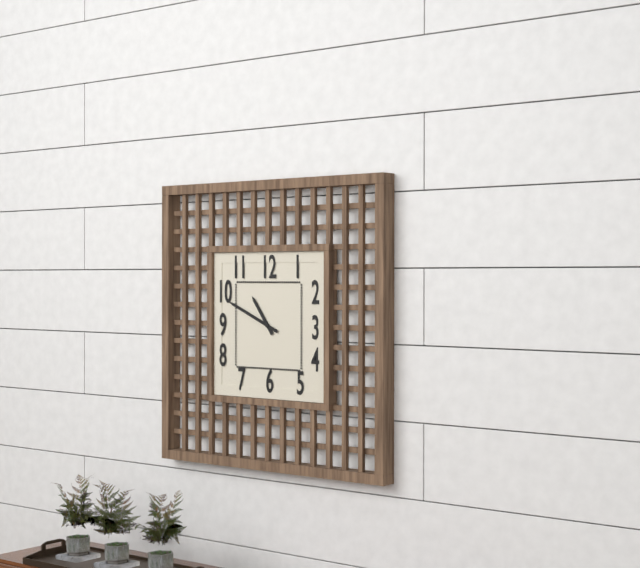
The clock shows 10 h 49 min
